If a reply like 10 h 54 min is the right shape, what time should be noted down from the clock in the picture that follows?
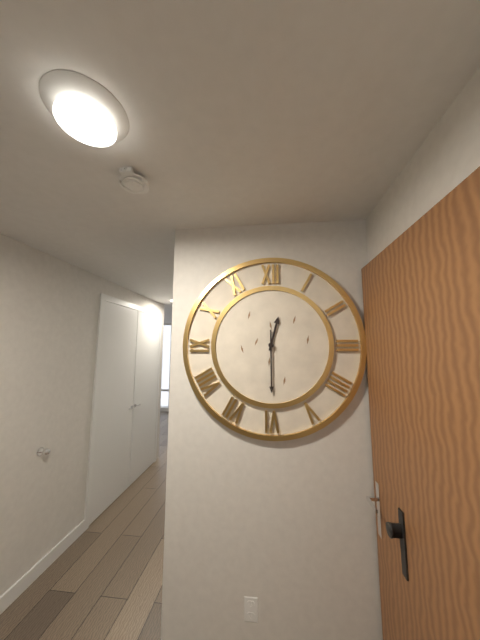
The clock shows 12 h 30 min
